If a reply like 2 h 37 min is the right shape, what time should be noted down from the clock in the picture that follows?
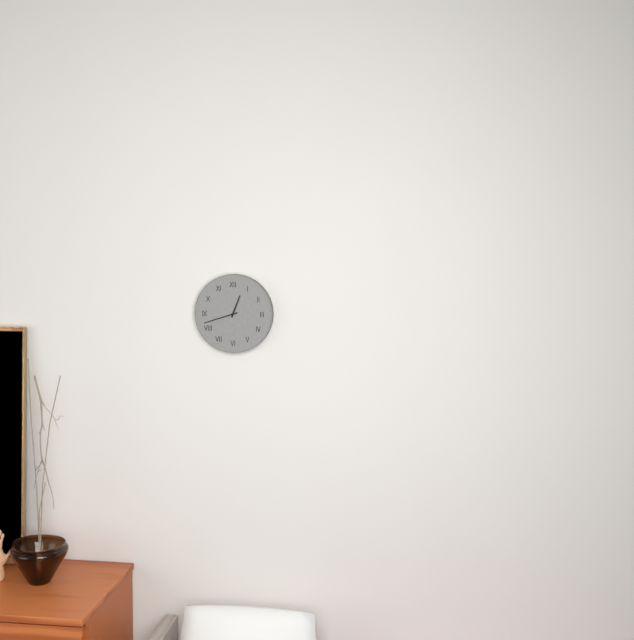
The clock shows 12 h 42 min
